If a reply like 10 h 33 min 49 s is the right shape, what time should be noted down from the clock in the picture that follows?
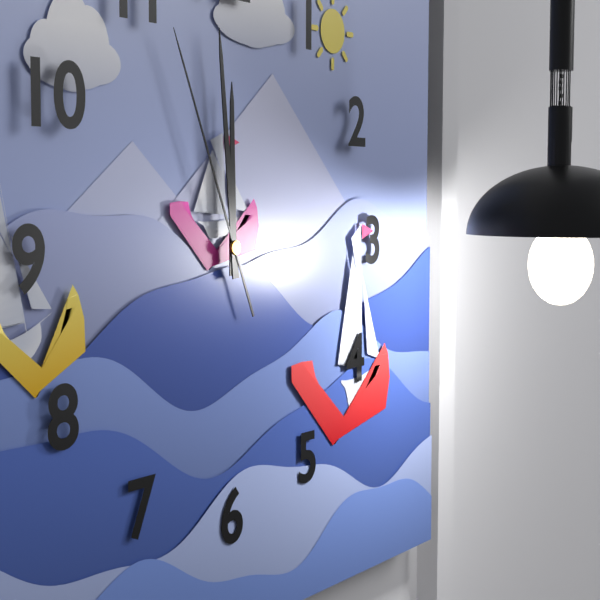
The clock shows 11 h 59 min 56 s
